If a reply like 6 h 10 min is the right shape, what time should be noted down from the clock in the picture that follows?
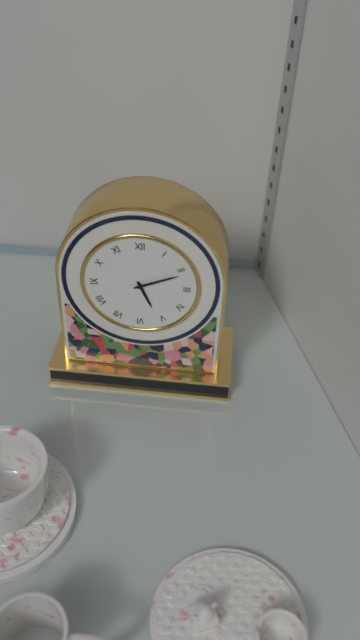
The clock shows 5 h 11 min
